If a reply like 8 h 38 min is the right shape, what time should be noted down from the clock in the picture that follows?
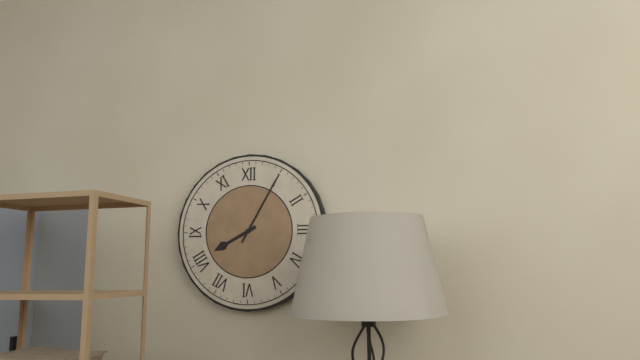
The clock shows 8 h 05 min
